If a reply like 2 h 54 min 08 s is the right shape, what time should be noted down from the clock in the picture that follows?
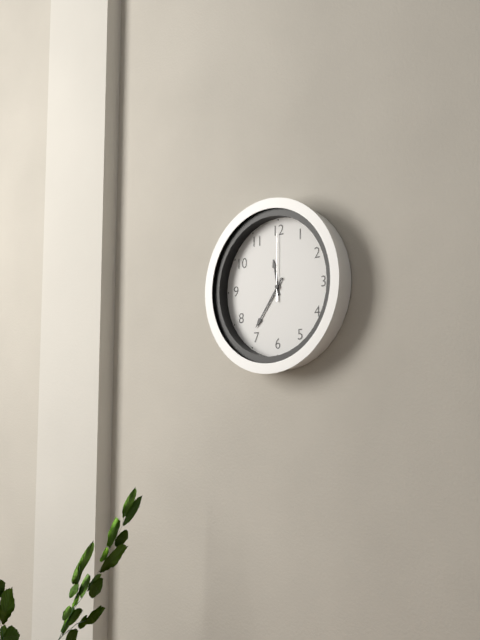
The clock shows 11 h 36 min 00 s
